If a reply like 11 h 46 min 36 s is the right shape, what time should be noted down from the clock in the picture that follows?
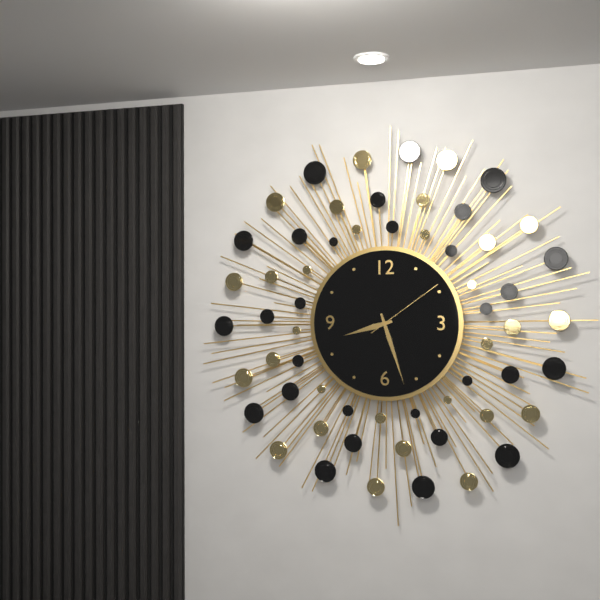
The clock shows 8 h 27 min 09 s
